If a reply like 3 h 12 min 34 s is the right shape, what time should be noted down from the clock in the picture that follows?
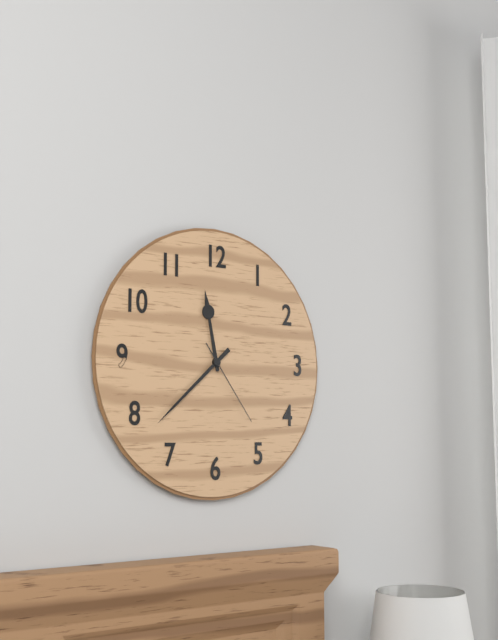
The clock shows 11 h 38 min 24 s
